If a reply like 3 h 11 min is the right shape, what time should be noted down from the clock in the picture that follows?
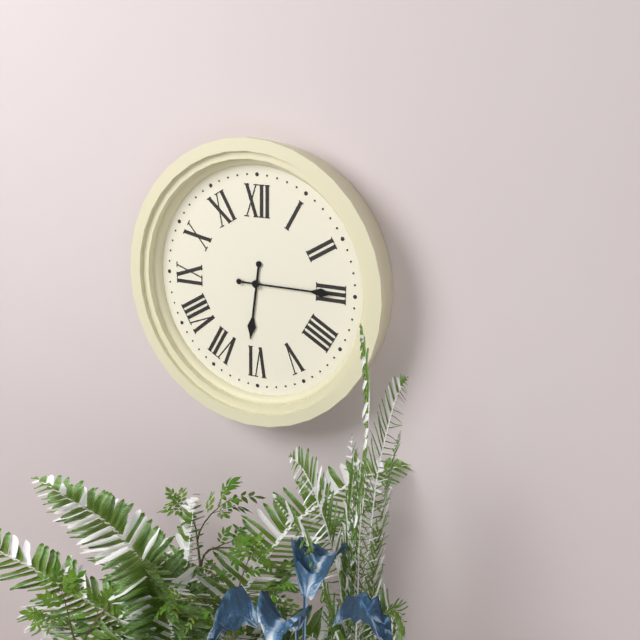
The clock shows 6 h 15 min
